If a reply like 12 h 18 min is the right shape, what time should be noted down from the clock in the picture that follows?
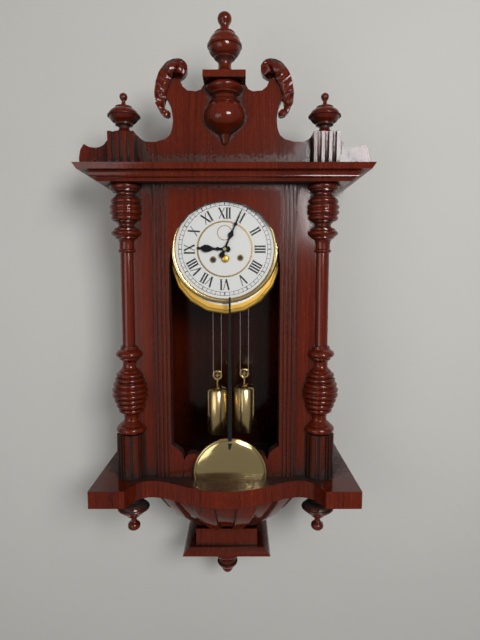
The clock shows 9 h 04 min
